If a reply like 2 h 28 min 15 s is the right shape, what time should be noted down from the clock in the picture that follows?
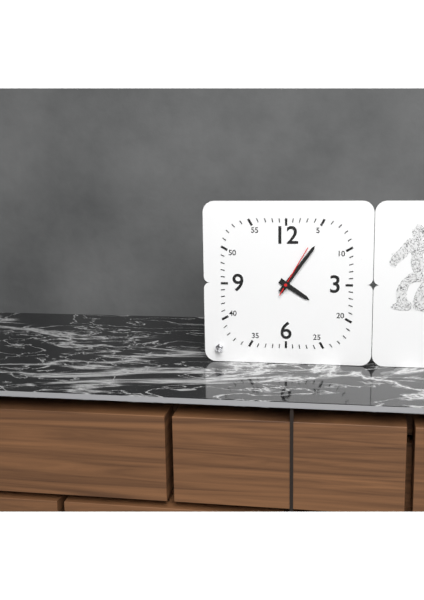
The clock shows 4 h 06 min 05 s
